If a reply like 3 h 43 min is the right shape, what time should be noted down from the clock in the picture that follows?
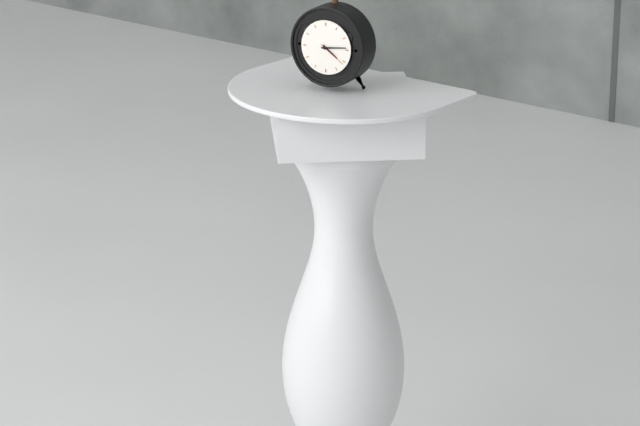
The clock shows 4 h 14 min
